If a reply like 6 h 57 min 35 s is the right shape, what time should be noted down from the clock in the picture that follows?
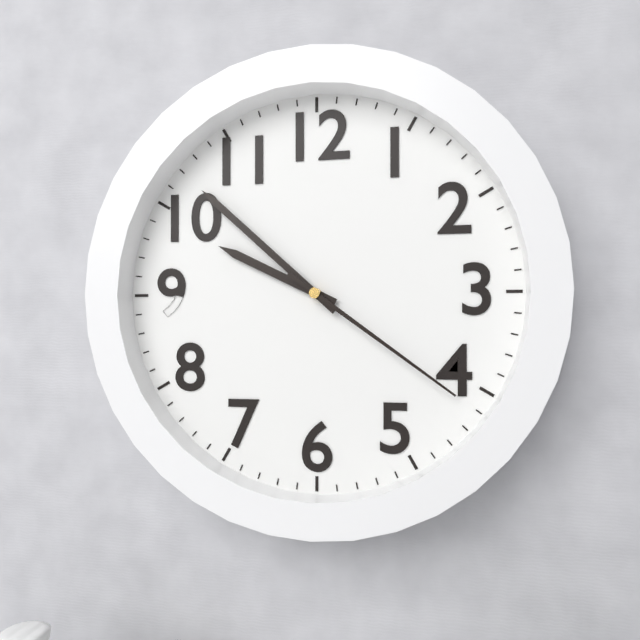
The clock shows 9 h 52 min 21 s
